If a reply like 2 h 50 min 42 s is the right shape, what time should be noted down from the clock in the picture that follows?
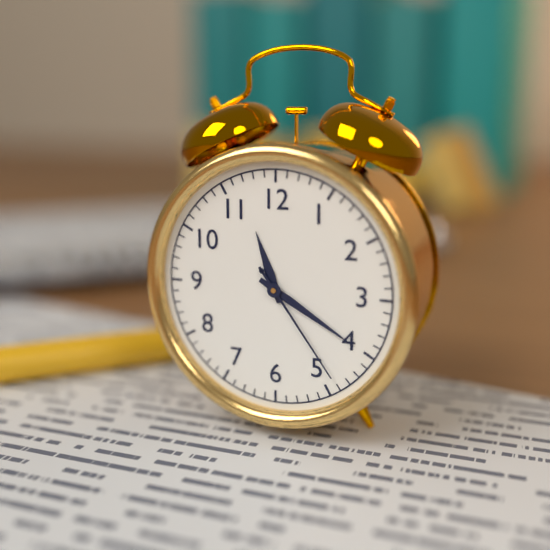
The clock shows 11 h 20 min 24 s
